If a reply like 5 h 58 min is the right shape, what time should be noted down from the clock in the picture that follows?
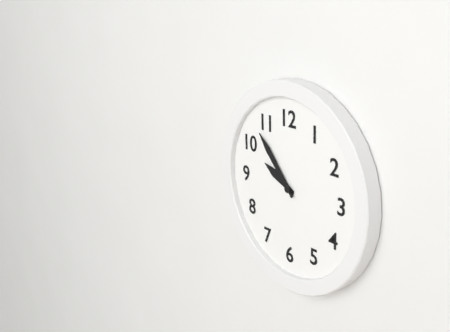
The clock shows 9 h 53 min
